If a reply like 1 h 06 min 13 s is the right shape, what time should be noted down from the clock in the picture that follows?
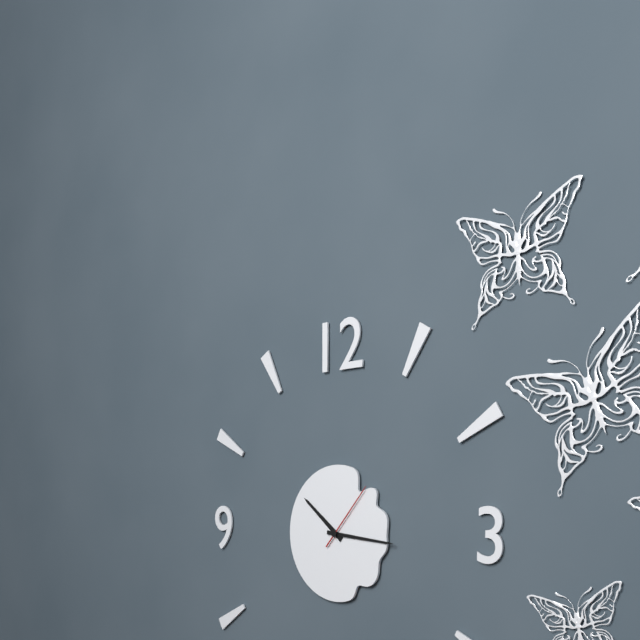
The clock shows 10 h 16 min 07 s
